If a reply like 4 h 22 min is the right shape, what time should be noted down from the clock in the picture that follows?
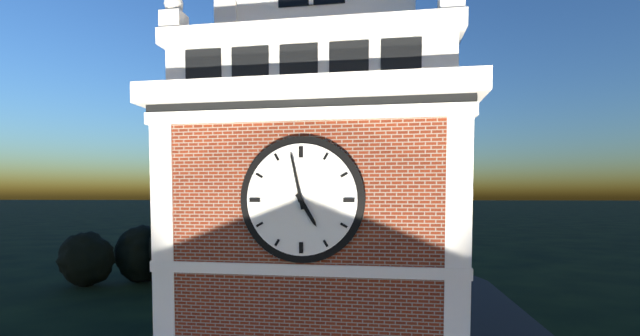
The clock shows 4 h 58 min
